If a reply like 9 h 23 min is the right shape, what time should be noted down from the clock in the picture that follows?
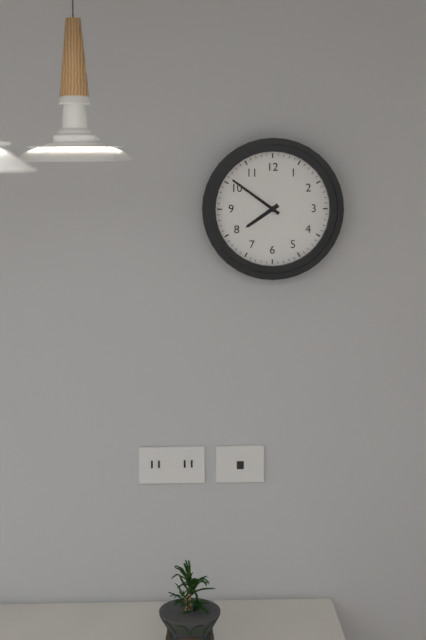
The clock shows 7 h 51 min
